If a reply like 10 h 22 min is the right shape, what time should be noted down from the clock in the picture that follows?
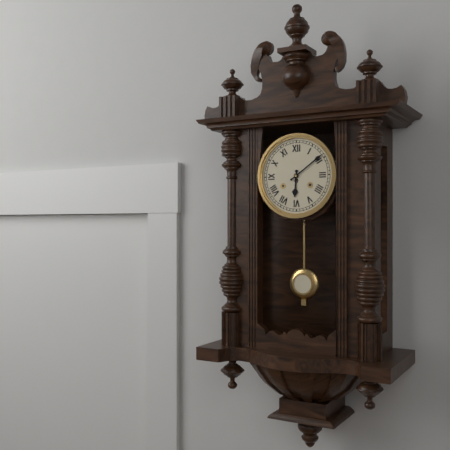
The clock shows 6 h 09 min
